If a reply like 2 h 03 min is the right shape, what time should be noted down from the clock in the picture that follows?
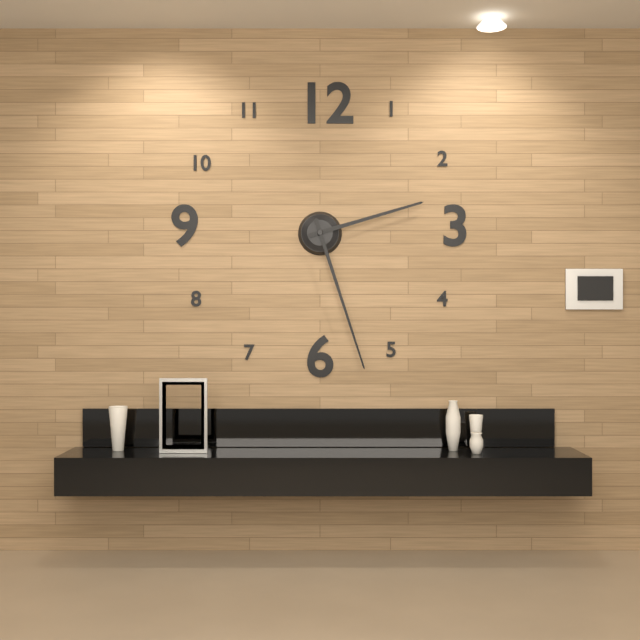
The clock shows 2 h 27 min
